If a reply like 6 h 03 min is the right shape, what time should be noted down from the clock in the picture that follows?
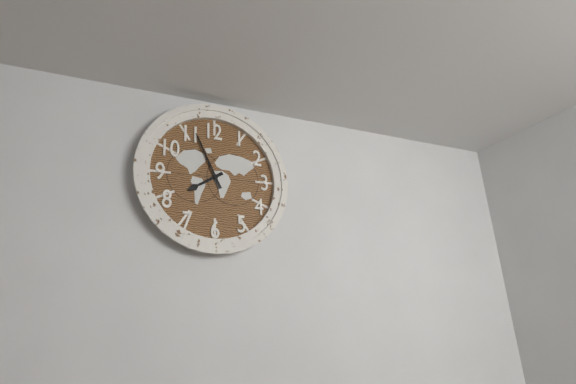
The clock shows 7 h 56 min
